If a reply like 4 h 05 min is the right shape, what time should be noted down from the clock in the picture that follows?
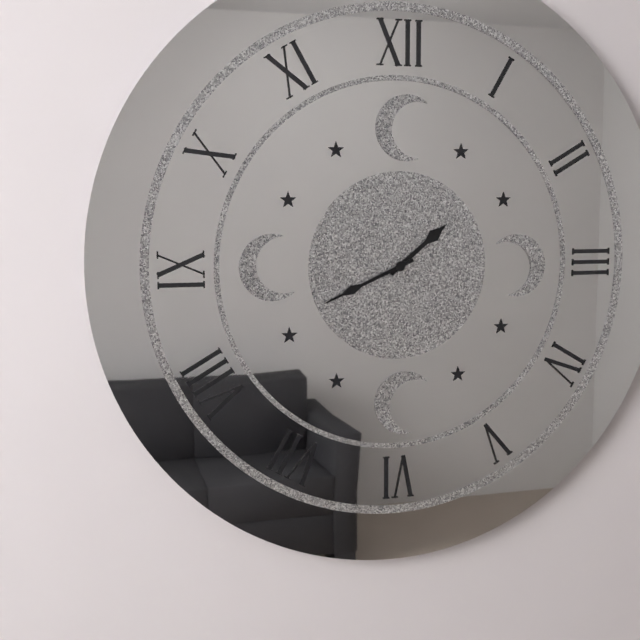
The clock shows 1 h 41 min
